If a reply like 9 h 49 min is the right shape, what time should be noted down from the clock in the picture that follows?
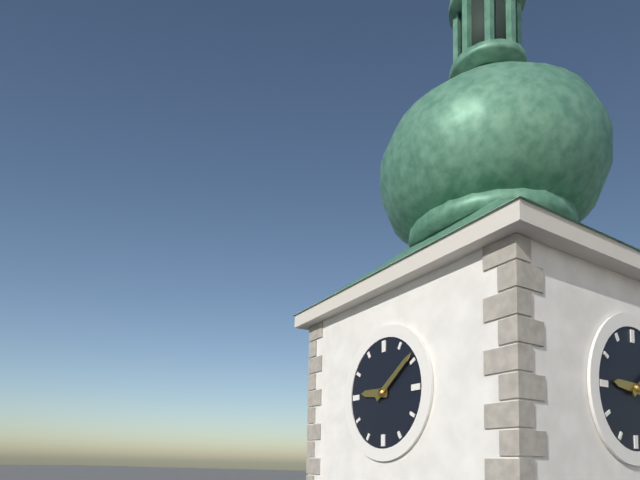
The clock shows 9 h 09 min
